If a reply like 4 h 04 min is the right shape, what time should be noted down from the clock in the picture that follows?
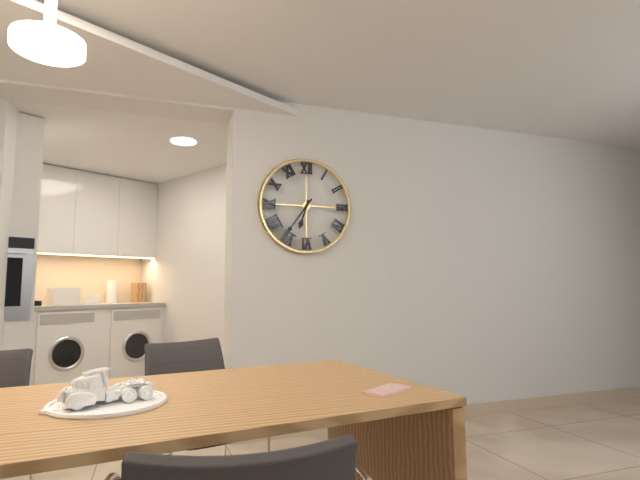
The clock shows 6 h 36 min
